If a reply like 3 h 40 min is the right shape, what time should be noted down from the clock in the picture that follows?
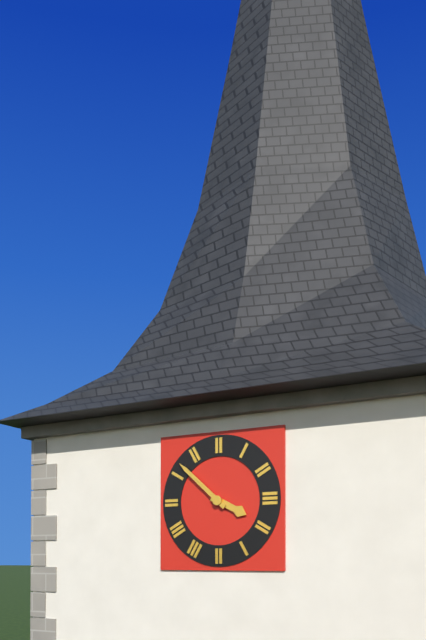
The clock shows 3 h 52 min
